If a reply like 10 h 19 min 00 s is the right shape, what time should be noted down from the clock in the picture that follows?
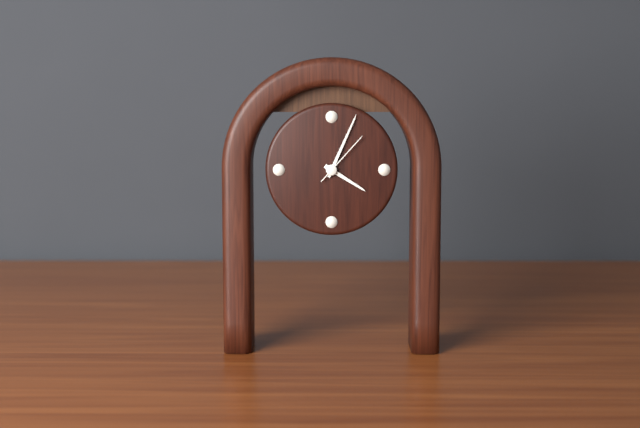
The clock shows 4 h 04 min 07 s
